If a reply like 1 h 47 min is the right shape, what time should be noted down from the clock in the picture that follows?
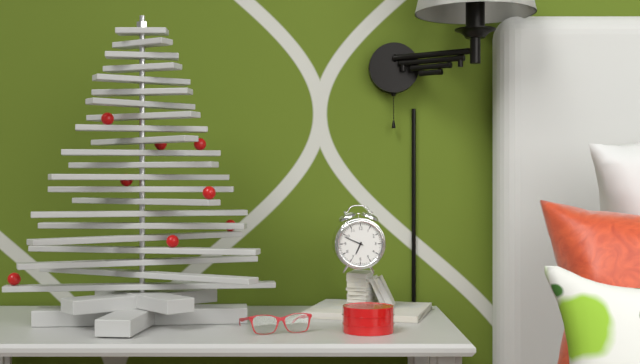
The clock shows 6 h 49 min
